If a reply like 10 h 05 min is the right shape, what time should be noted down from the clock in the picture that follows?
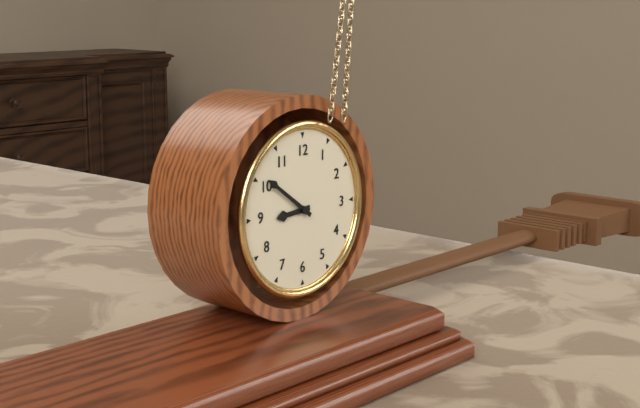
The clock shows 8 h 51 min
